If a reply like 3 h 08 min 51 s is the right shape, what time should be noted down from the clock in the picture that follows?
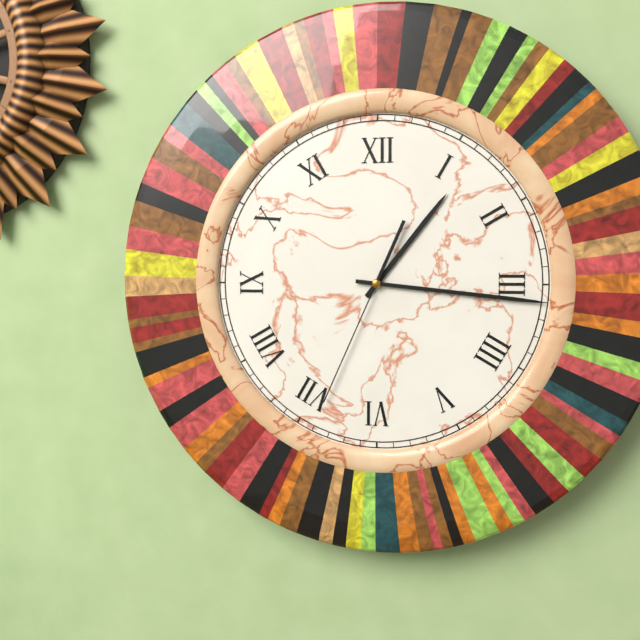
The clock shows 1 h 16 min 34 s
